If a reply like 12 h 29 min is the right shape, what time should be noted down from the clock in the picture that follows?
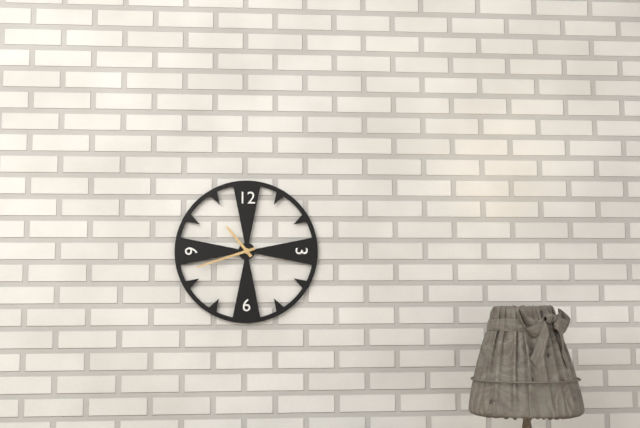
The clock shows 10 h 42 min
